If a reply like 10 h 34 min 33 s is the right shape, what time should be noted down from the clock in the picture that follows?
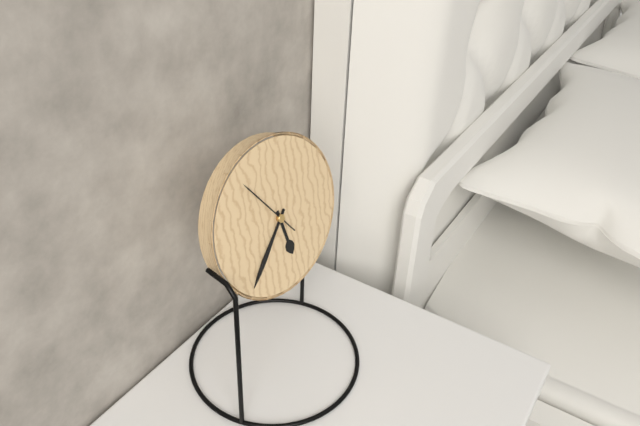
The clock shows 5 h 37 min 54 s
